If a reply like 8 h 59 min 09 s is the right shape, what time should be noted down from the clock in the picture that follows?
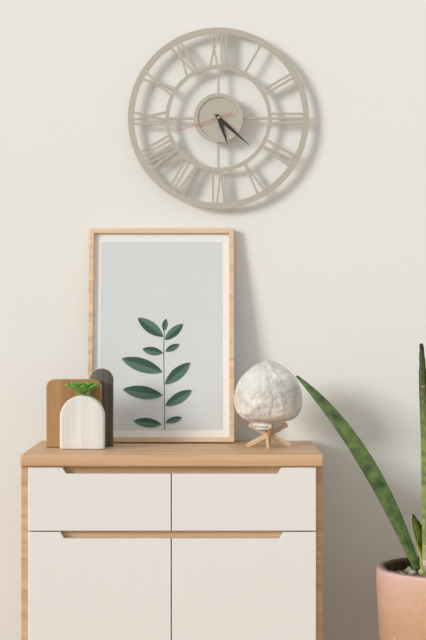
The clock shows 5 h 22 min 42 s
